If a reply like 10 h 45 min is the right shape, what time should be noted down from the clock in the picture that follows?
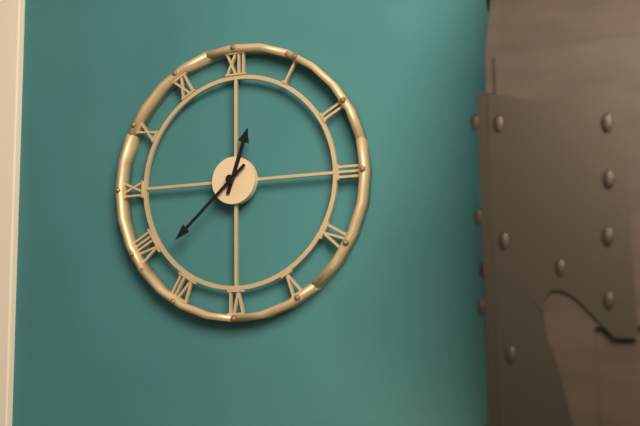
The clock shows 12 h 38 min
